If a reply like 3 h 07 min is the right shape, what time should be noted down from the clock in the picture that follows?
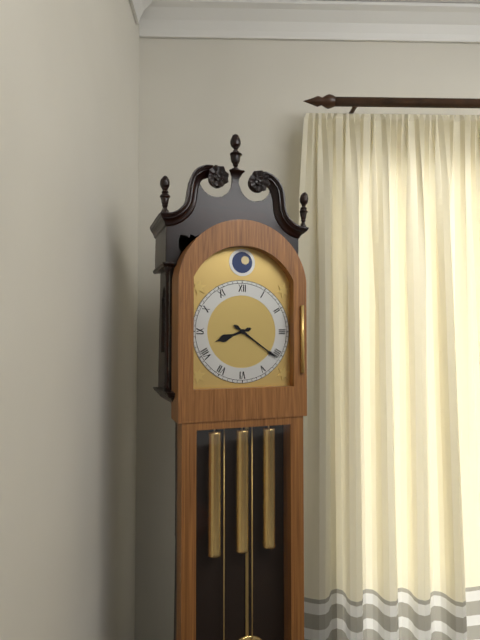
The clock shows 8 h 21 min
